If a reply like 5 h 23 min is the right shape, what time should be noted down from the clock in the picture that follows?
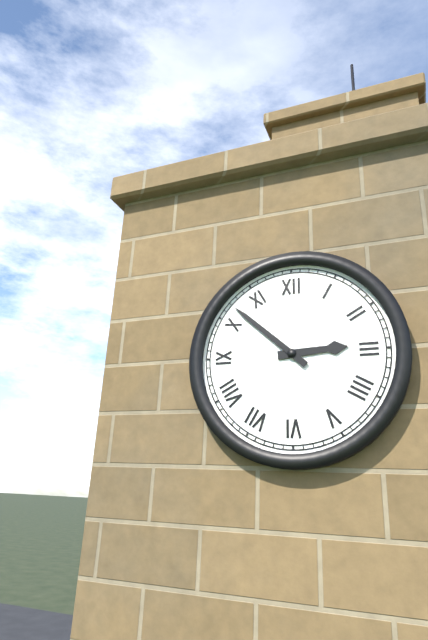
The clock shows 2 h 52 min
